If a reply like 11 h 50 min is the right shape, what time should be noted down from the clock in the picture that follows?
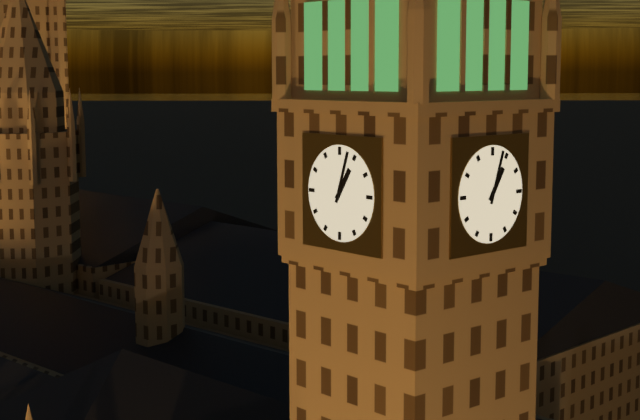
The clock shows 1 h 03 min
